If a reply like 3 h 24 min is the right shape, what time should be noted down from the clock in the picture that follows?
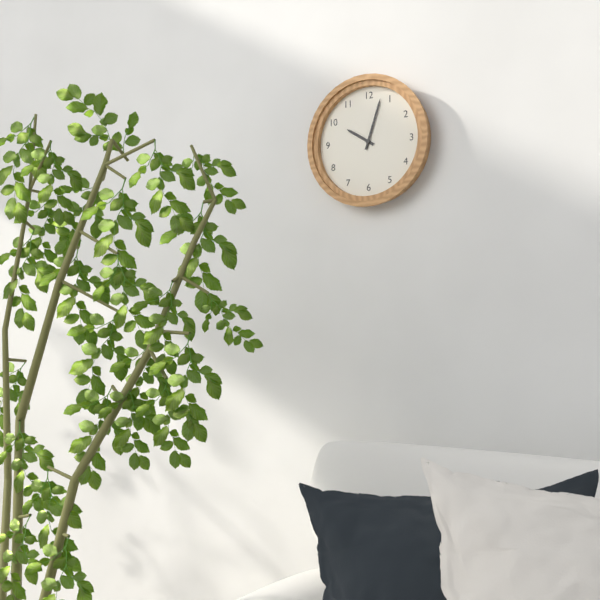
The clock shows 10 h 03 min
